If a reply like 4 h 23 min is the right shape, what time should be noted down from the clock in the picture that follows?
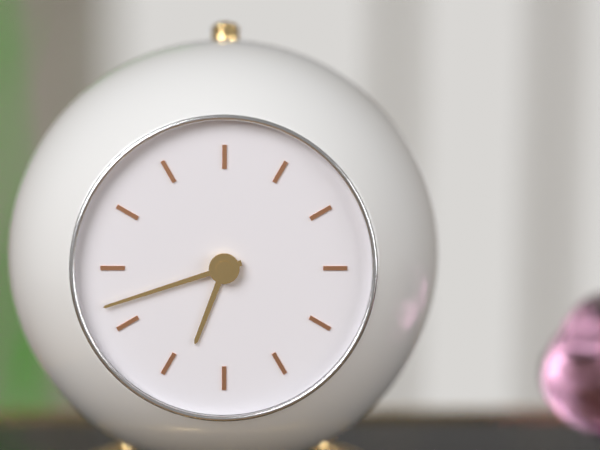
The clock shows 6 h 42 min
